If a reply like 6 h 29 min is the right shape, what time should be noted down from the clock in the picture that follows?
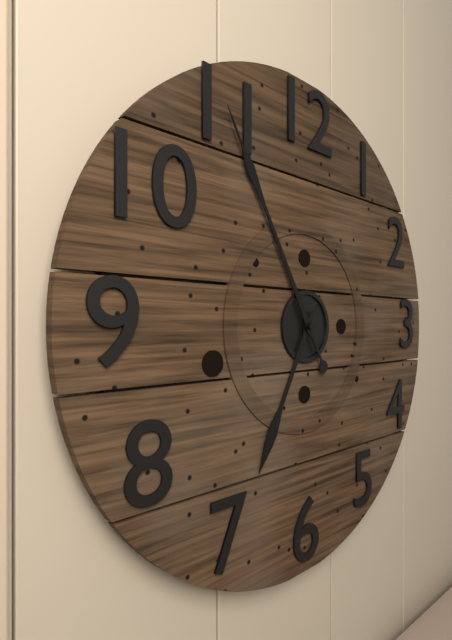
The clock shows 6 h 55 min
